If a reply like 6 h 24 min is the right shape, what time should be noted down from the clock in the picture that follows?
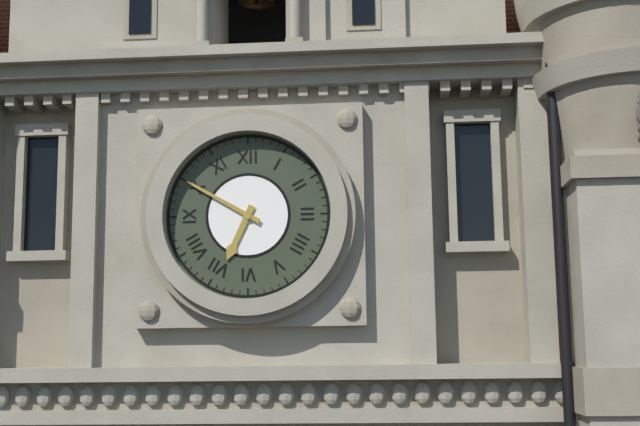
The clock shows 6 h 50 min
